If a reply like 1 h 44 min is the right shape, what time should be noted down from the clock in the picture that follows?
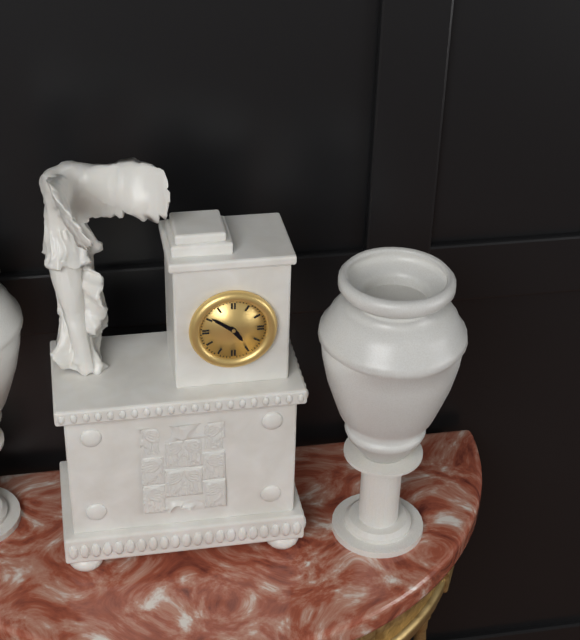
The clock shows 4 h 51 min
